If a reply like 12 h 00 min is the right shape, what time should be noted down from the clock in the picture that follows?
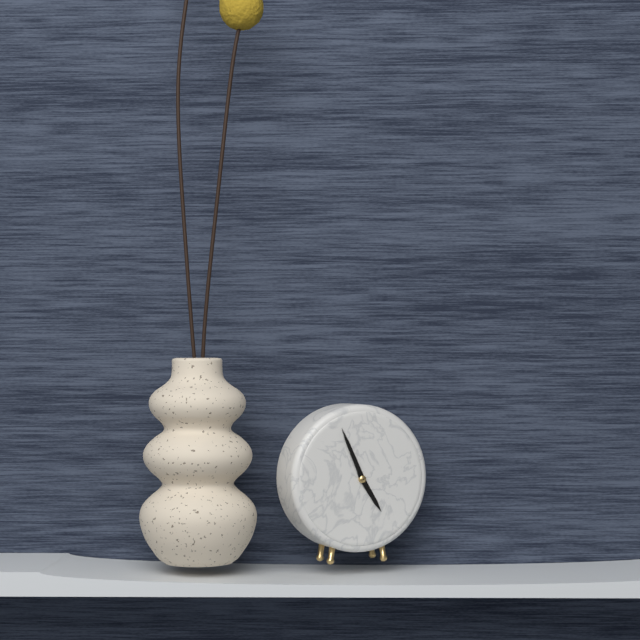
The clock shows 4 h 56 min
